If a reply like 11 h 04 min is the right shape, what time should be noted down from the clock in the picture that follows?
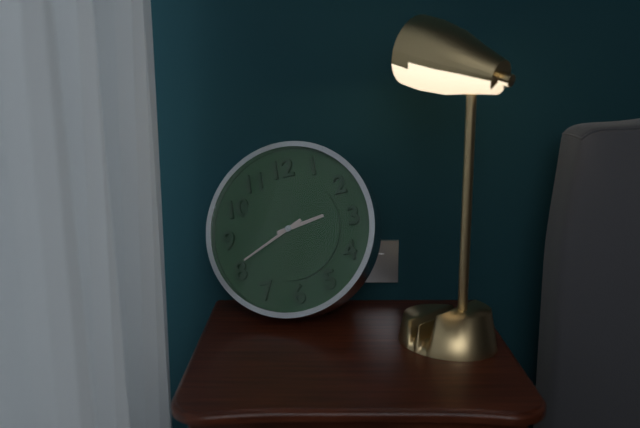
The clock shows 2 h 41 min
